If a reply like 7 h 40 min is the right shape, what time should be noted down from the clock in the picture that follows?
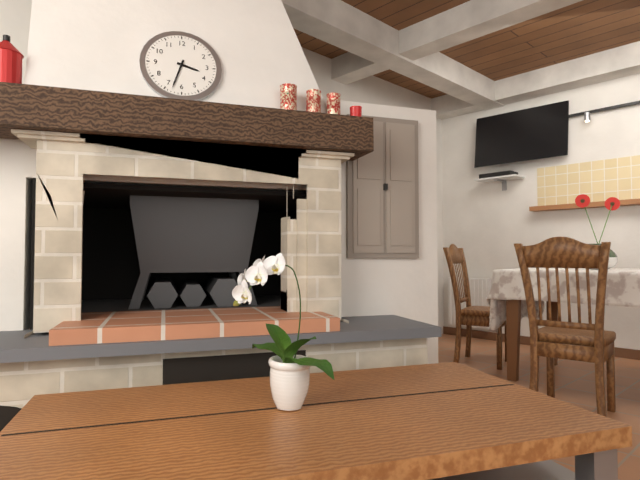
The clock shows 3 h 33 min
